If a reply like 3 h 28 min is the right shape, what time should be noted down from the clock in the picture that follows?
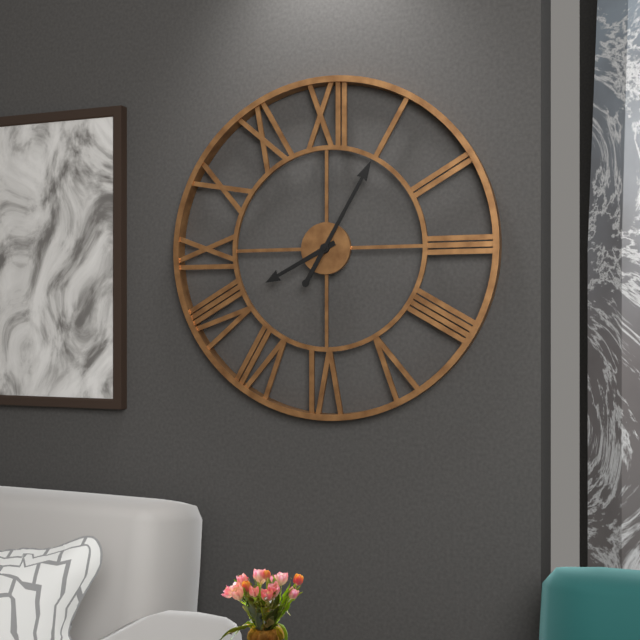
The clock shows 8 h 05 min
